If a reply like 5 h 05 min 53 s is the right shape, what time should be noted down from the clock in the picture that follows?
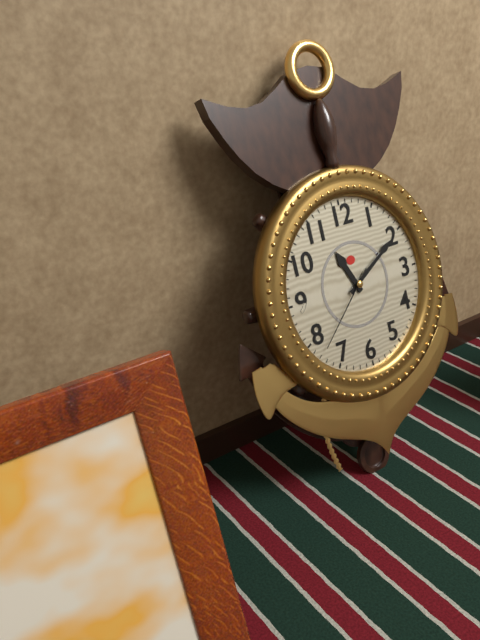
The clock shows 11 h 10 min 38 s
